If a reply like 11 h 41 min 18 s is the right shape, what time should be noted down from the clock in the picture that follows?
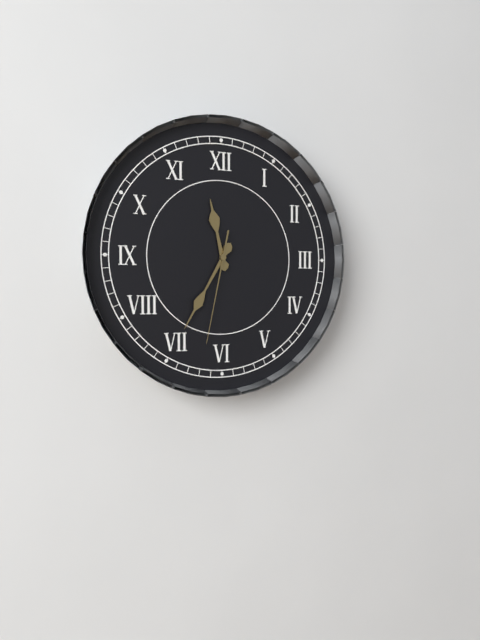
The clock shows 11 h 35 min 32 s
